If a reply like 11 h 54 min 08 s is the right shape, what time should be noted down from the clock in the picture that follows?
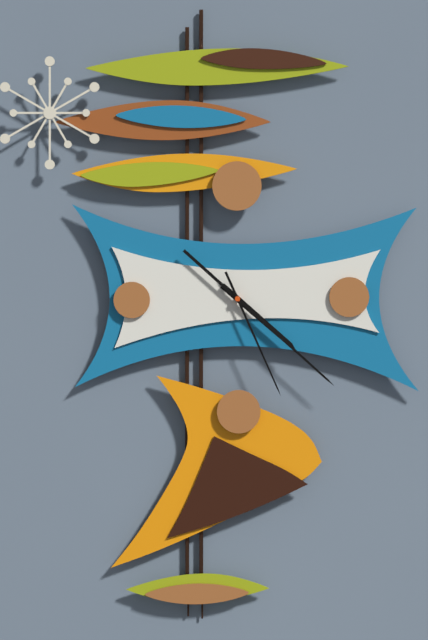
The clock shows 4 h 22 min 26 s
